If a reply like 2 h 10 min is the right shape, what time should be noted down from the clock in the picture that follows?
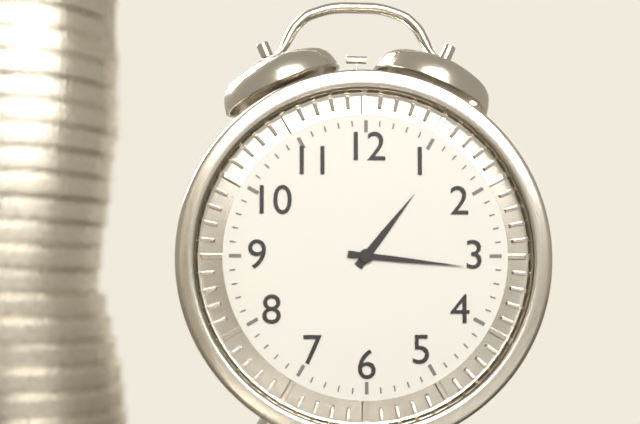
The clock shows 1 h 16 min
